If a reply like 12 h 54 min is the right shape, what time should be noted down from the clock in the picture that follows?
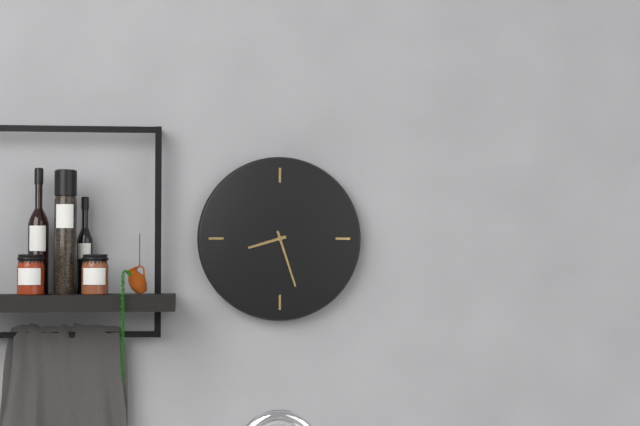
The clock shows 8 h 27 min
